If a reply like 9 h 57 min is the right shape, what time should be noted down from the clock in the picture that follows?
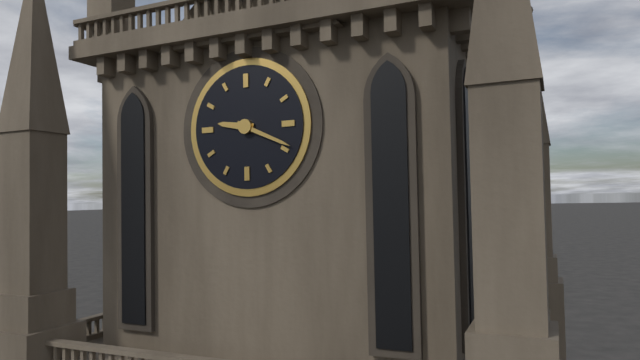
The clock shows 9 h 19 min
